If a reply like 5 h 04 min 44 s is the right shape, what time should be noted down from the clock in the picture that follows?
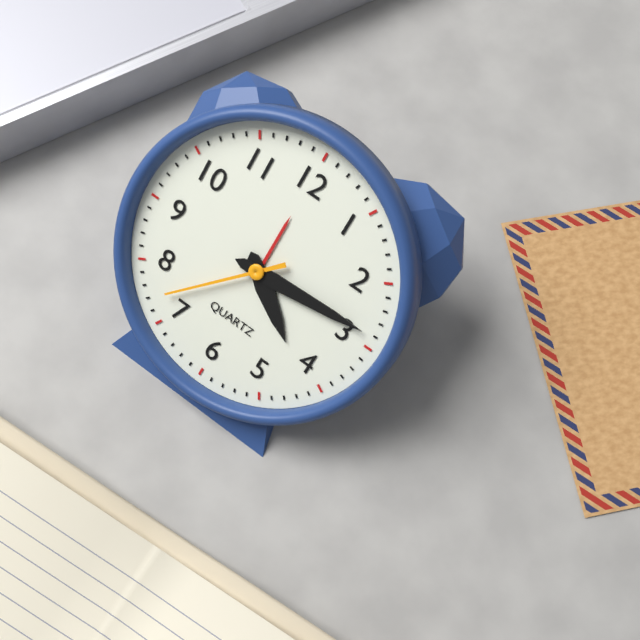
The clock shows 4 h 14 min 37 s
